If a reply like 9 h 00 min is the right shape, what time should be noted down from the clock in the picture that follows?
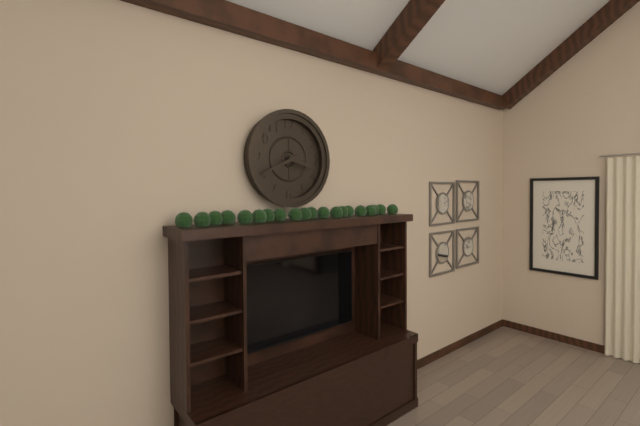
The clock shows 3 h 41 min
